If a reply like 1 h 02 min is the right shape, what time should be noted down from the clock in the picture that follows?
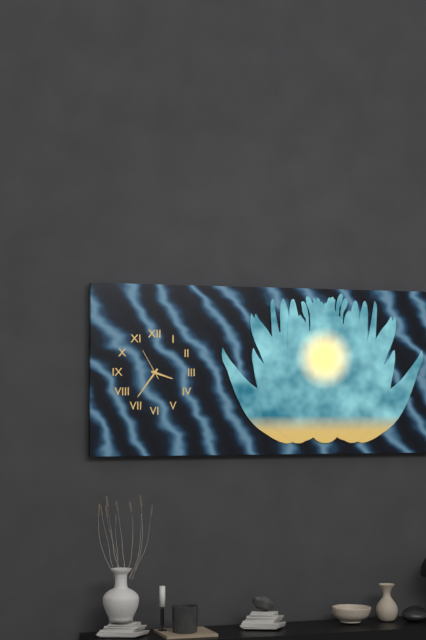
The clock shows 3 h 36 min
